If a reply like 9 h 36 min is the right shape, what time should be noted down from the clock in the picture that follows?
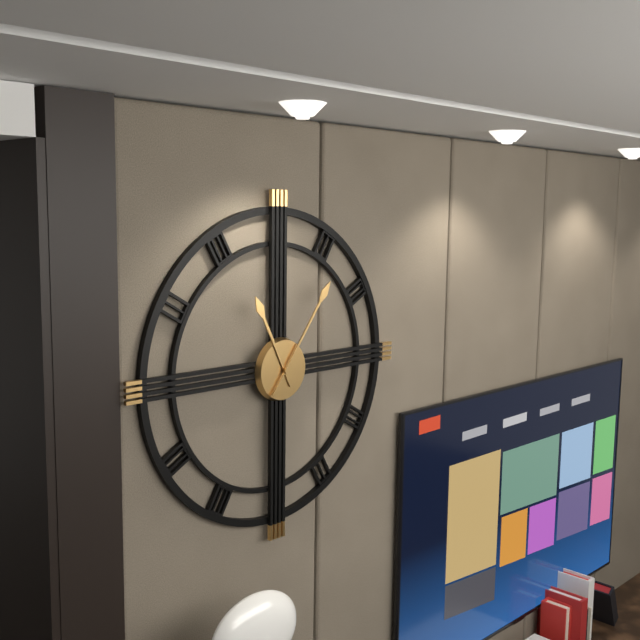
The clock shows 11 h 06 min
